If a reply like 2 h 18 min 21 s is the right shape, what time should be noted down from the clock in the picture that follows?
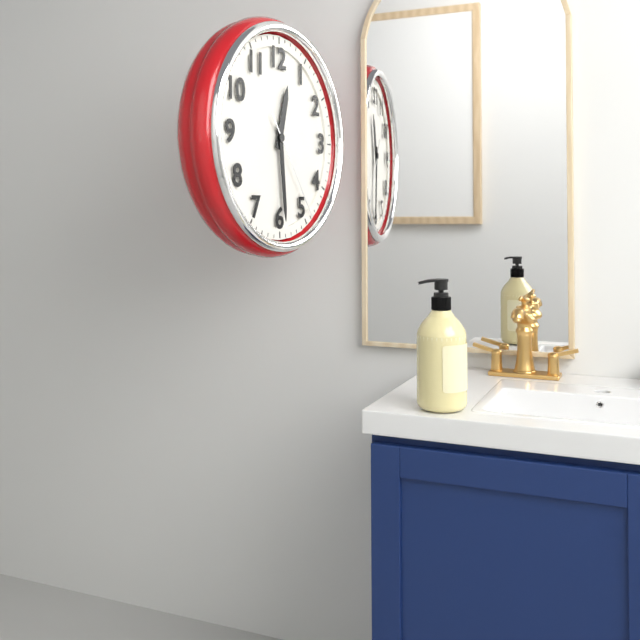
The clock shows 12 h 29 min 24 s
